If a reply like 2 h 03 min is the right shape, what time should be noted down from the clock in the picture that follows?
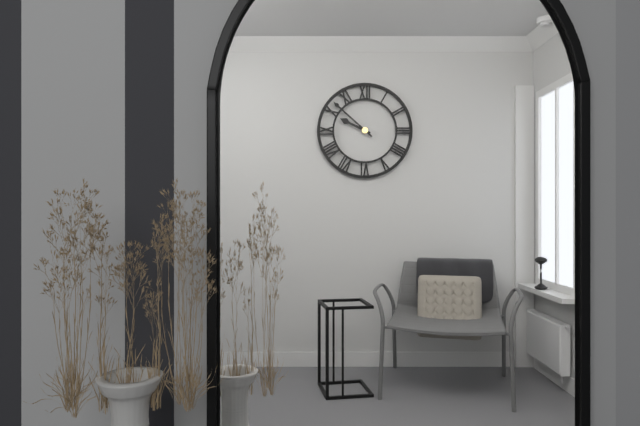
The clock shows 9 h 52 min
